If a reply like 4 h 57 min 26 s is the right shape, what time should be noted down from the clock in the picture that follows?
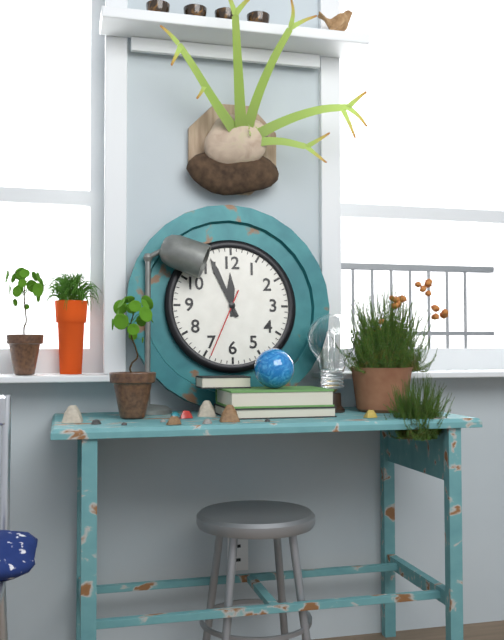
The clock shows 11 h 56 min 34 s
